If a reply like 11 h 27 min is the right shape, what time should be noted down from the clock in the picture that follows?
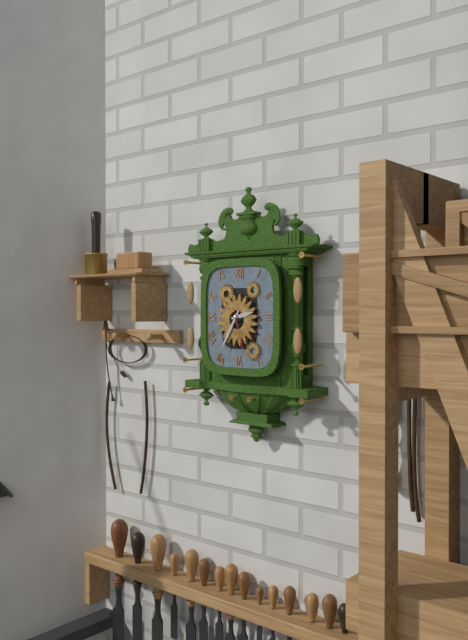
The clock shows 2 h 35 min
